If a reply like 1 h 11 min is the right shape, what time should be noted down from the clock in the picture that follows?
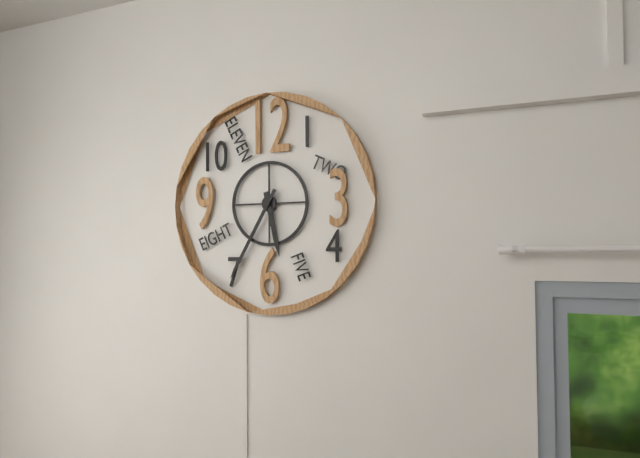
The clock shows 5 h 35 min
